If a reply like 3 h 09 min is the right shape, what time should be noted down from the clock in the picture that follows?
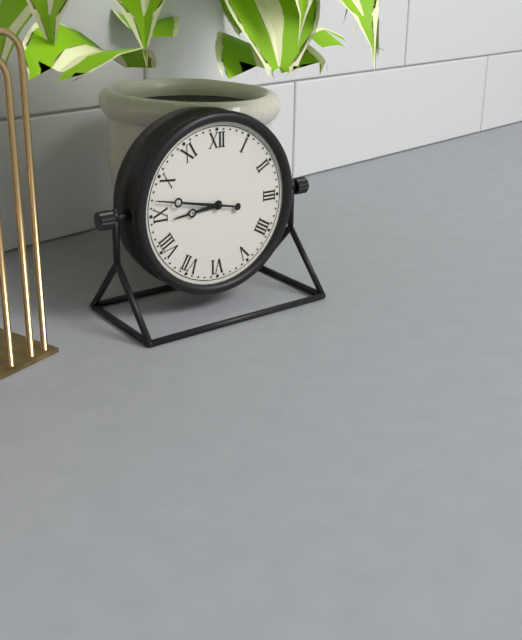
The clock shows 8 h 47 min
